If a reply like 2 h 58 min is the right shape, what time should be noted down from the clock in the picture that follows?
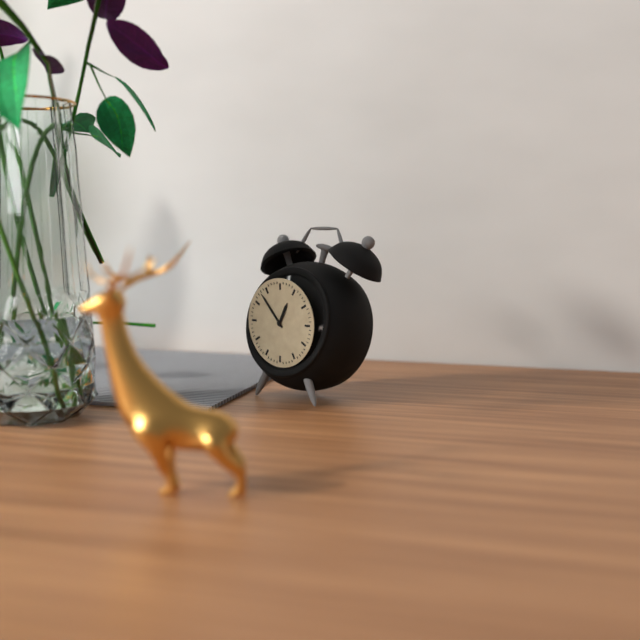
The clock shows 12 h 53 min
